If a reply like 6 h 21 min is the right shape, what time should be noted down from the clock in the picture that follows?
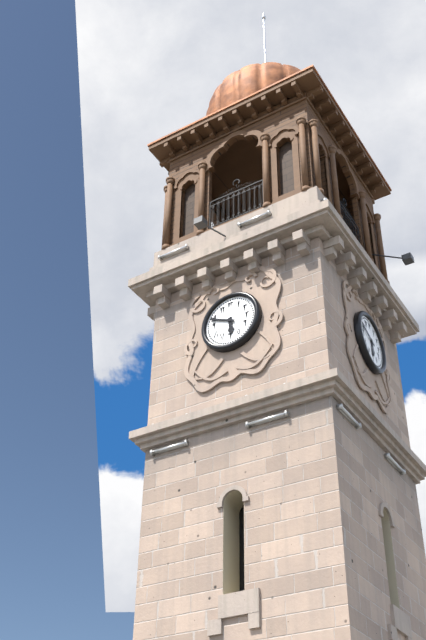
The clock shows 5 h 49 min
